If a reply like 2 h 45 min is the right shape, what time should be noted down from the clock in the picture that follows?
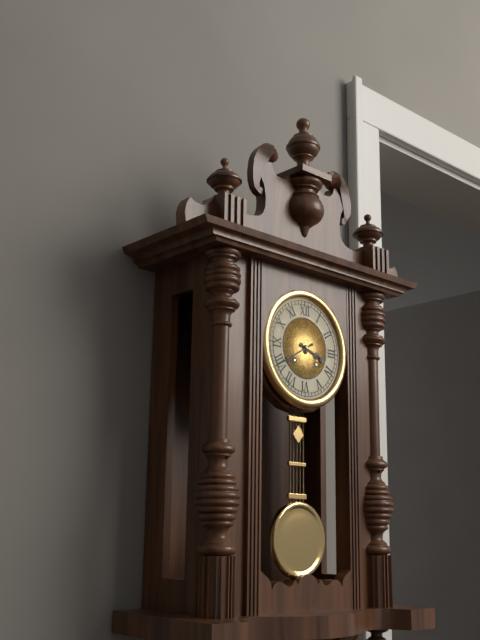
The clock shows 3 h 40 min
